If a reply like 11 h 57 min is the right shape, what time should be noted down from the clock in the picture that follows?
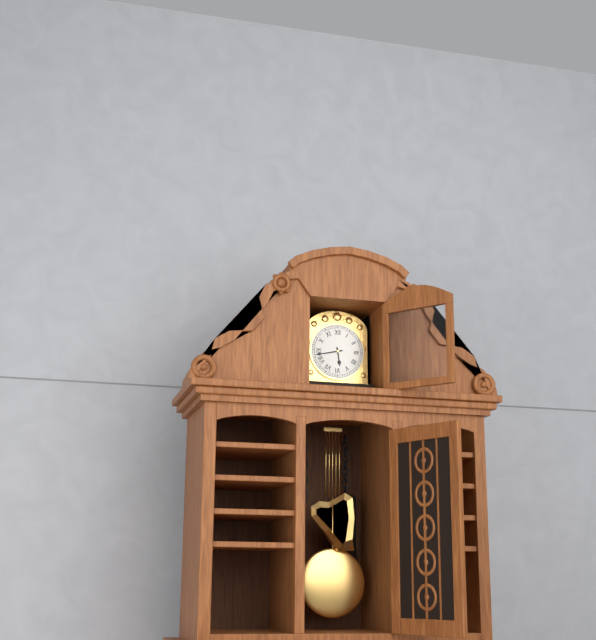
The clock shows 5 h 43 min
